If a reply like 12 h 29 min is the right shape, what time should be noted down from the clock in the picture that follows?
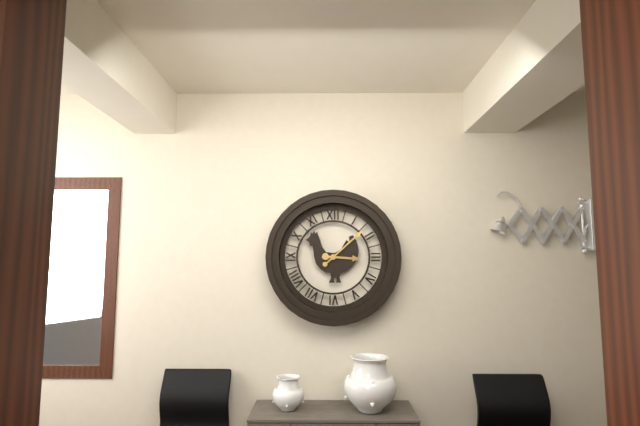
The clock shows 3 h 08 min
